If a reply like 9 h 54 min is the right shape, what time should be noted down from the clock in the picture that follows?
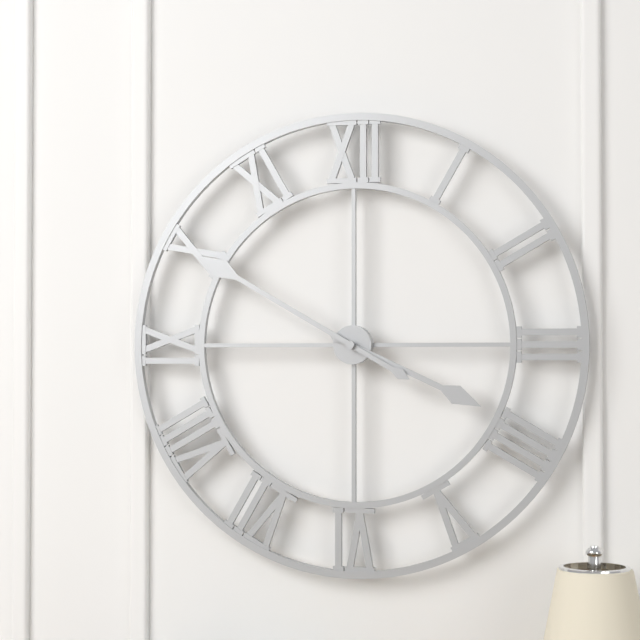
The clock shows 3 h 50 min
